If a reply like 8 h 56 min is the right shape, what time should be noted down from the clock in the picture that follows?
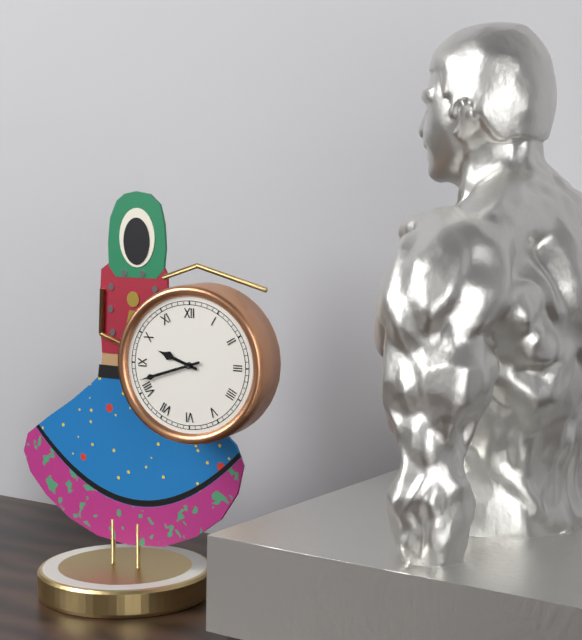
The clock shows 9 h 42 min
